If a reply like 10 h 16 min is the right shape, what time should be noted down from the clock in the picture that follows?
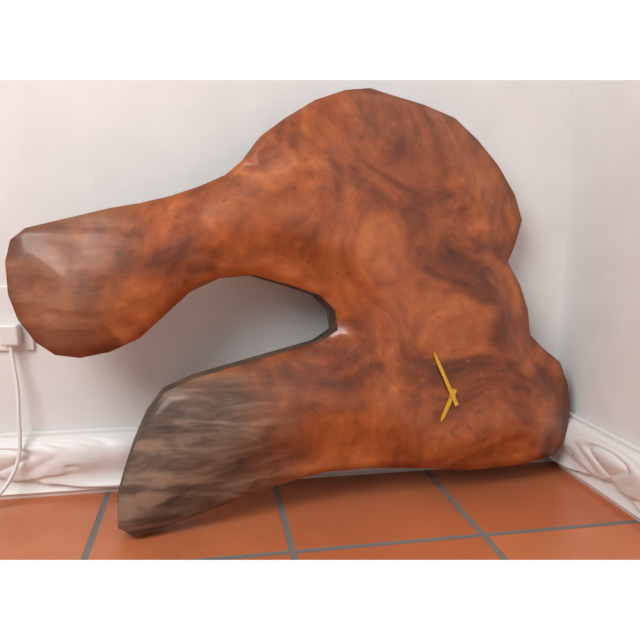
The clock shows 6 h 56 min
